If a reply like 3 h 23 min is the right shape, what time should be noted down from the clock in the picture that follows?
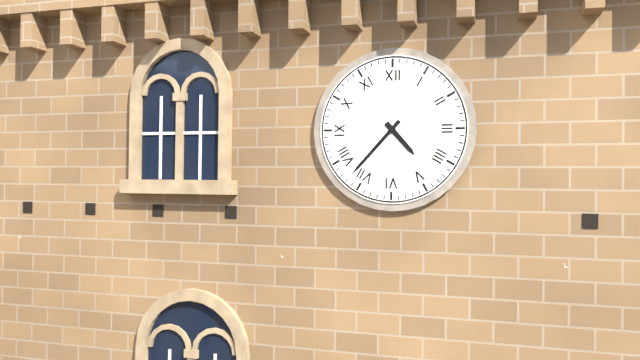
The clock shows 4 h 37 min
